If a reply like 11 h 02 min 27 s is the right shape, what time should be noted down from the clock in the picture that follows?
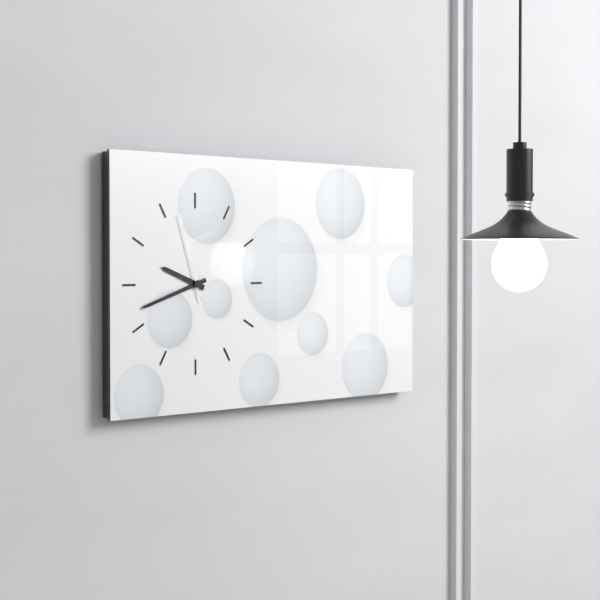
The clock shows 9 h 42 min 57 s
